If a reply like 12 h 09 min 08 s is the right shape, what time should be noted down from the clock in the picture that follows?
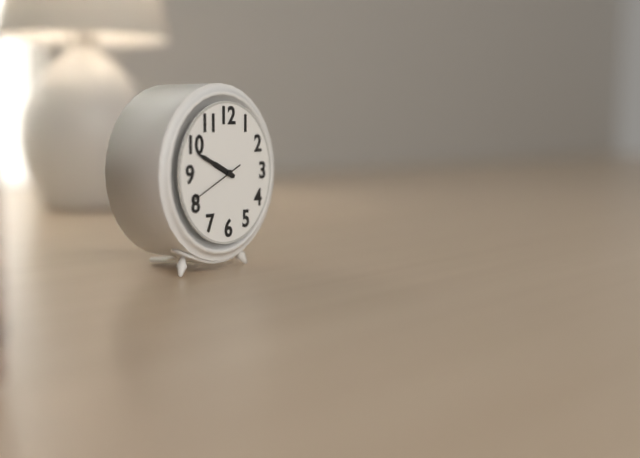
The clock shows 9 h 49 min 41 s
